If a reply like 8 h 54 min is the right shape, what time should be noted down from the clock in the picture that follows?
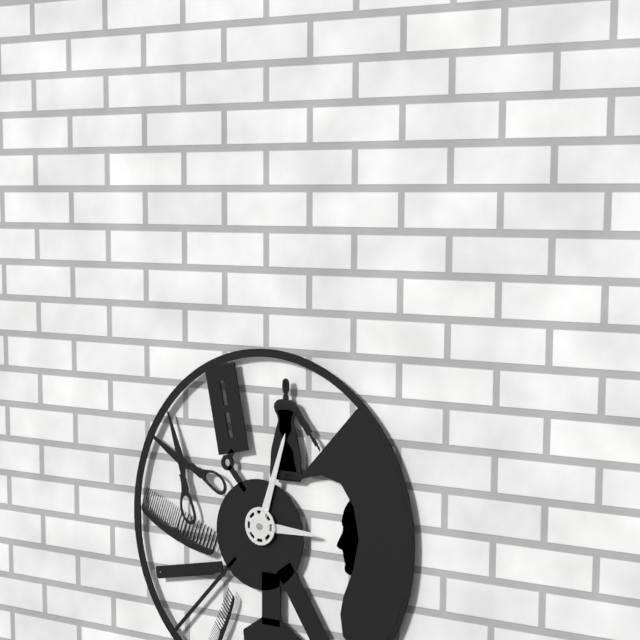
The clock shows 3 h 03 min
